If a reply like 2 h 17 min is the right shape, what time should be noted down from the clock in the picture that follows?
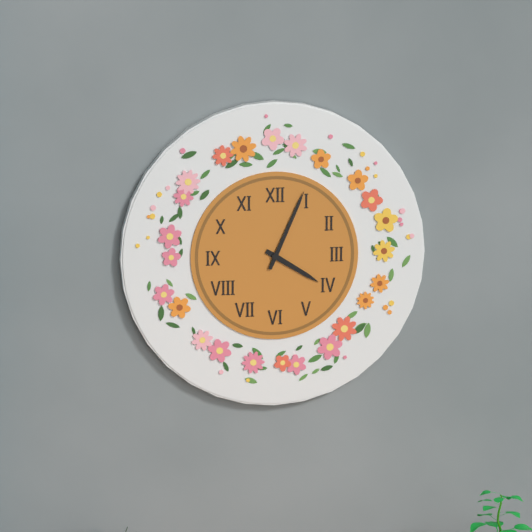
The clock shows 4 h 04 min
